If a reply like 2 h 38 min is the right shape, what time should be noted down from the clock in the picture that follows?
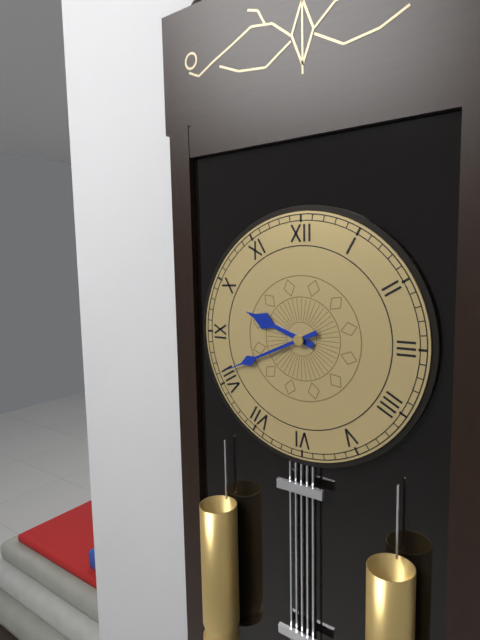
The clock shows 9 h 41 min
